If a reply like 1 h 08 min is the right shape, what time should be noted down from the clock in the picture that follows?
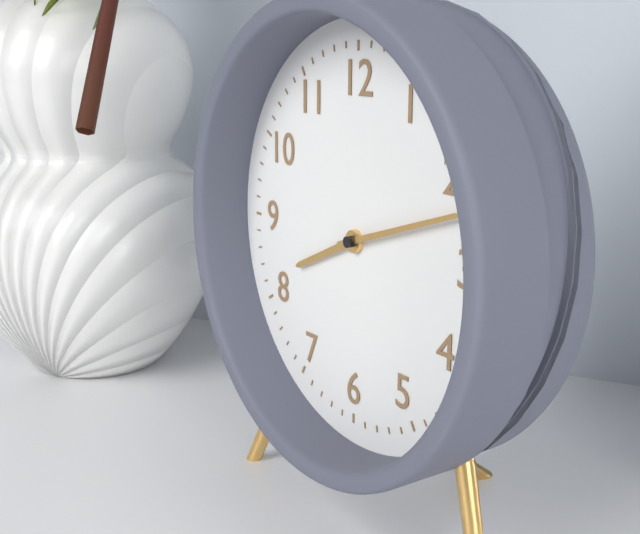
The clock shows 8 h 12 min
